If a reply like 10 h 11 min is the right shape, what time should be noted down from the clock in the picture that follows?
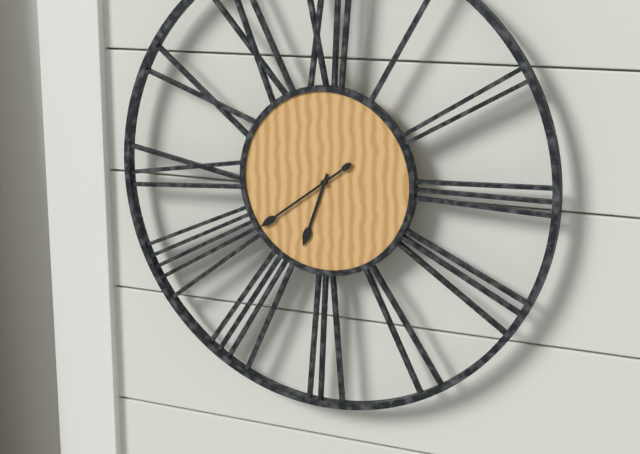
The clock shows 6 h 39 min
